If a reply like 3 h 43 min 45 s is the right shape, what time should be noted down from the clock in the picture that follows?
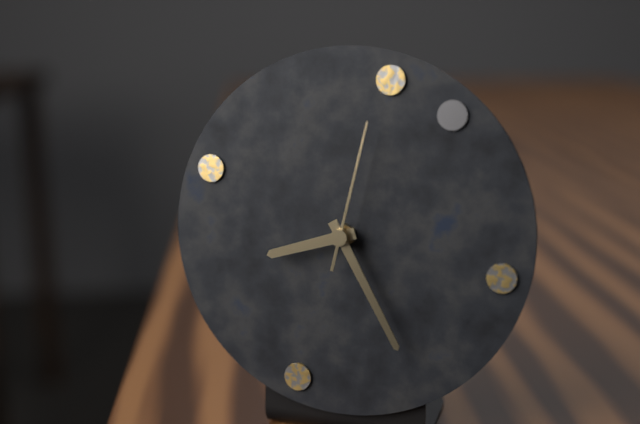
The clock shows 8 h 25 min 02 s
